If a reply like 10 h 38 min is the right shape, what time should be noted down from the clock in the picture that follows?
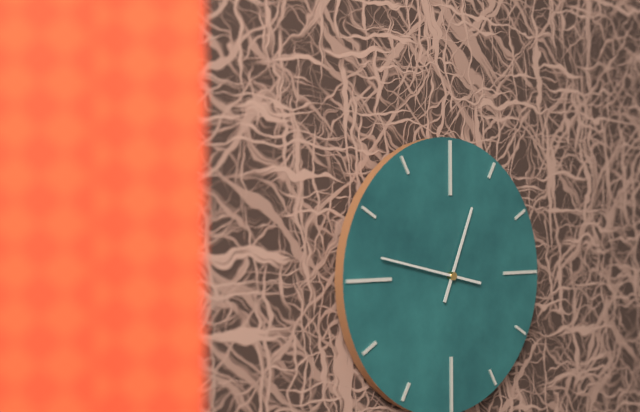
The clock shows 12 h 47 min
